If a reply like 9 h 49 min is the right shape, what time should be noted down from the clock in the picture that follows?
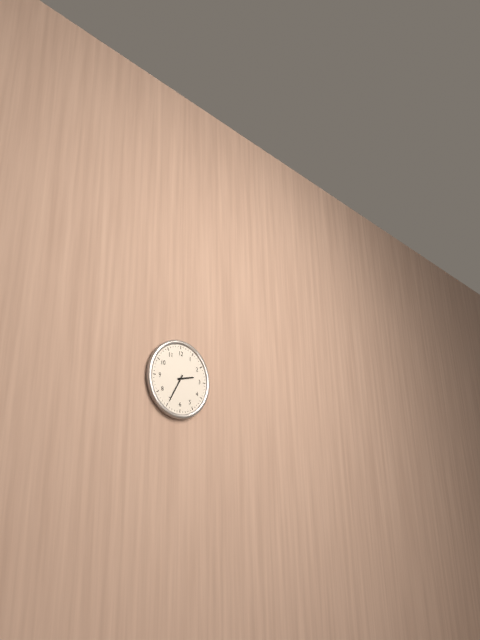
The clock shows 2 h 35 min
